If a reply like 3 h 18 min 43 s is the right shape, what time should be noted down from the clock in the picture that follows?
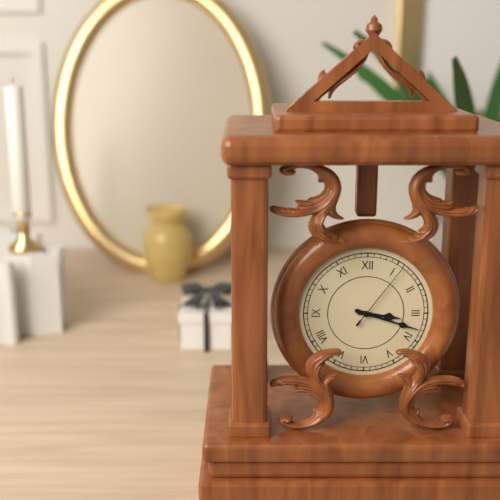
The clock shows 3 h 18 min 06 s
